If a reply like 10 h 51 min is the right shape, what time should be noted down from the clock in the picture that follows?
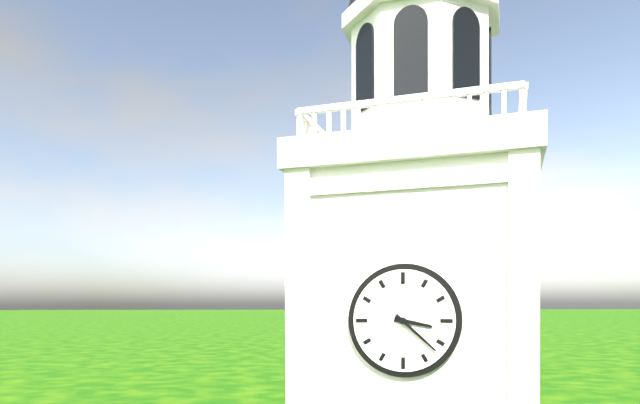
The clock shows 3 h 22 min
